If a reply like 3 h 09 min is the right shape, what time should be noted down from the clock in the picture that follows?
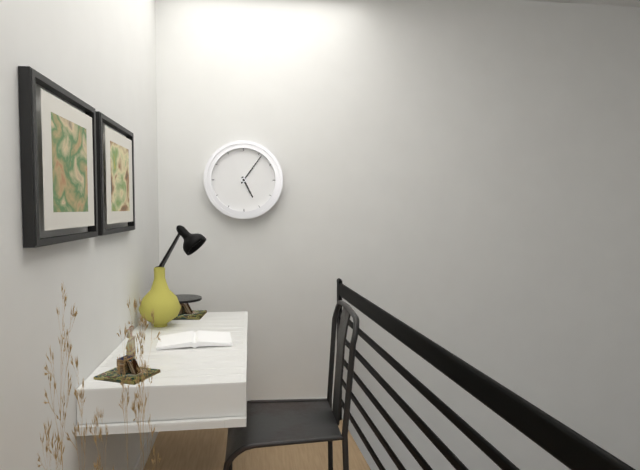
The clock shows 5 h 06 min
